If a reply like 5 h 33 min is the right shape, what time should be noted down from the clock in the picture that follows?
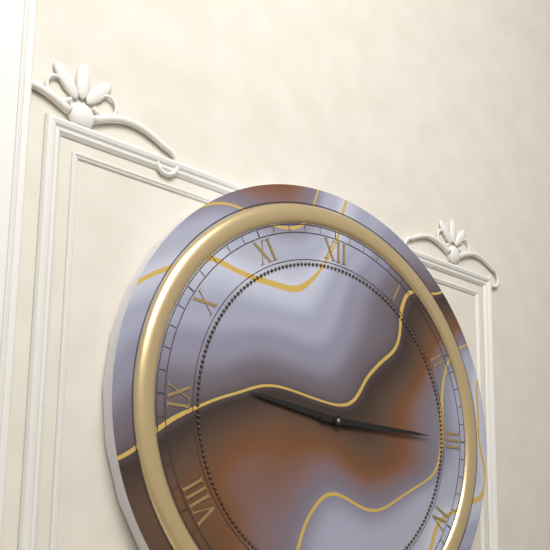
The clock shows 9 h 15 min
